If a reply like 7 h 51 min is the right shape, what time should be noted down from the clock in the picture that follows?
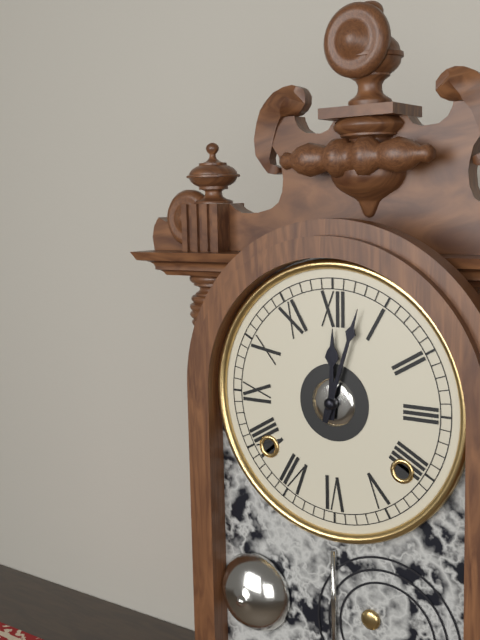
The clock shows 12 h 03 min
